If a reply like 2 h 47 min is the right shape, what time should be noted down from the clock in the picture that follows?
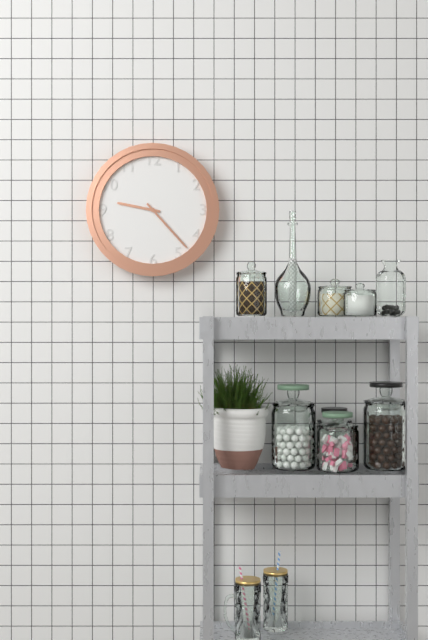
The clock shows 9 h 23 min
